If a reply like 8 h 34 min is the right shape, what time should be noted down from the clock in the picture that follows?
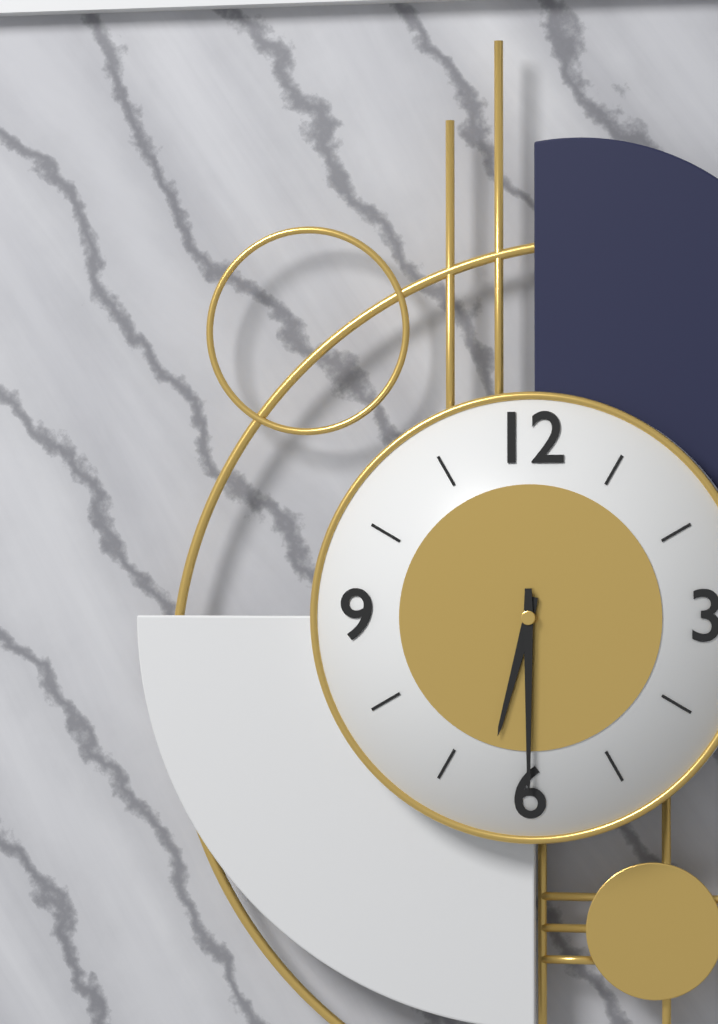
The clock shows 6 h 30 min
